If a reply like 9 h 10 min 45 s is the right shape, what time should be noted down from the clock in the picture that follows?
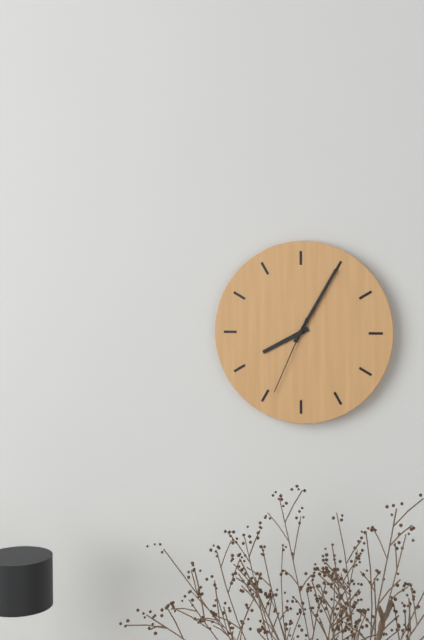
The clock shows 8 h 05 min 34 s
